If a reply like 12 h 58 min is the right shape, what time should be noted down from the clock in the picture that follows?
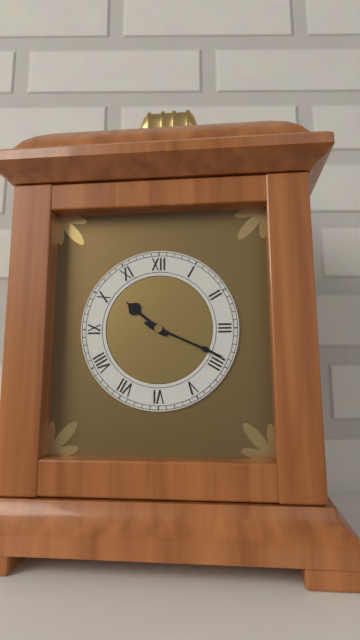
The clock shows 10 h 19 min
